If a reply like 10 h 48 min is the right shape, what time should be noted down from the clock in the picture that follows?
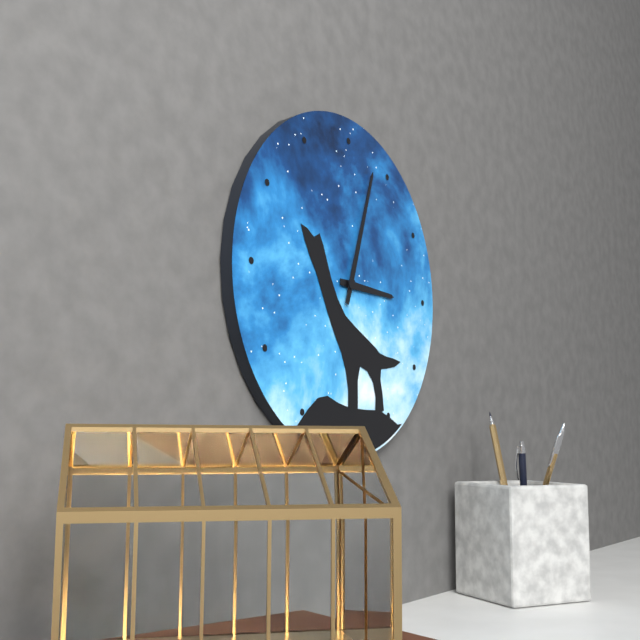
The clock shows 3 h 03 min
